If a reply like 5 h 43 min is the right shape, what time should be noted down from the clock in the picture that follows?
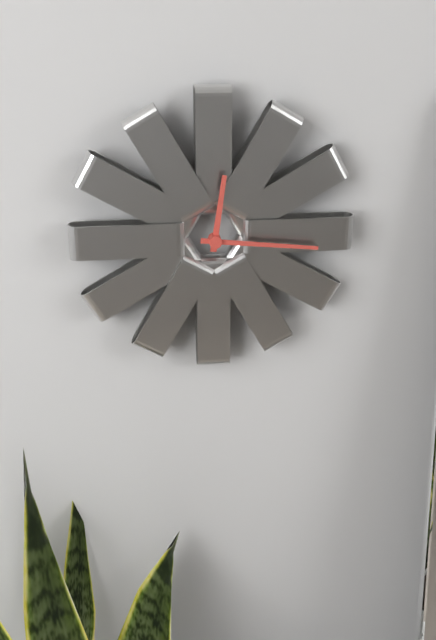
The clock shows 12 h 16 min
